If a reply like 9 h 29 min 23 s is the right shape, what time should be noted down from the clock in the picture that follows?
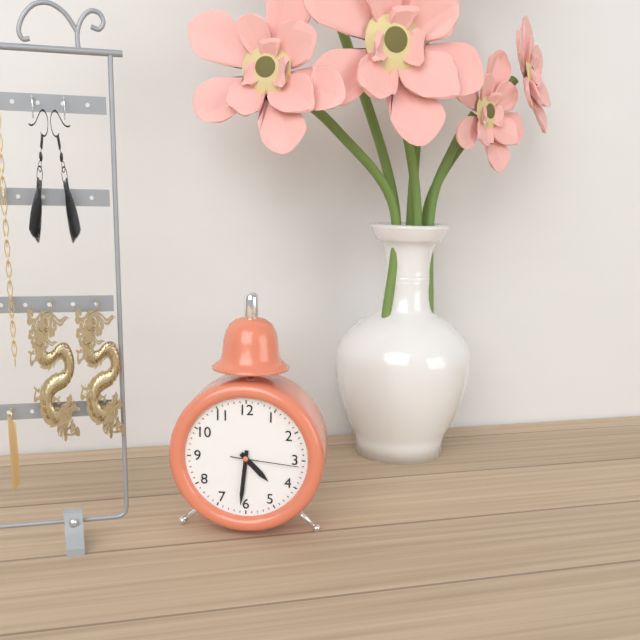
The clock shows 4 h 31 min 16 s
